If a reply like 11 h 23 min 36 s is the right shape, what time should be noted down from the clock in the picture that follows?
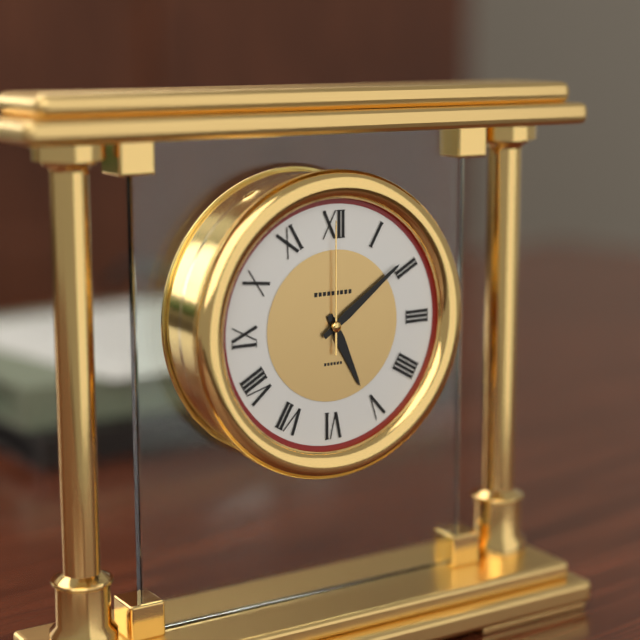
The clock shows 5 h 09 min 00 s
